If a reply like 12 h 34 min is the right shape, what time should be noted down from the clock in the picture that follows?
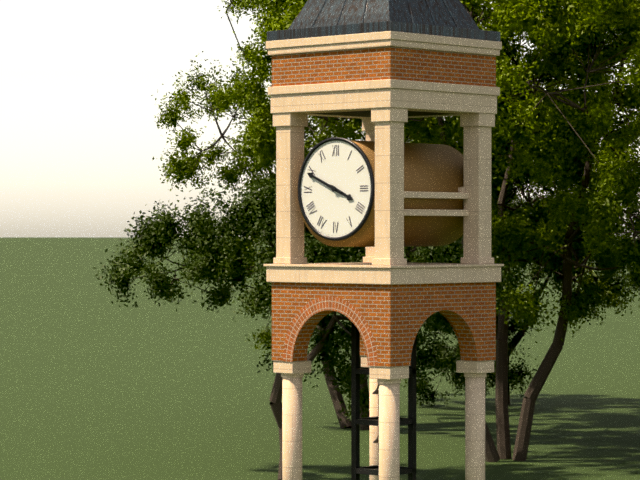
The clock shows 3 h 49 min
